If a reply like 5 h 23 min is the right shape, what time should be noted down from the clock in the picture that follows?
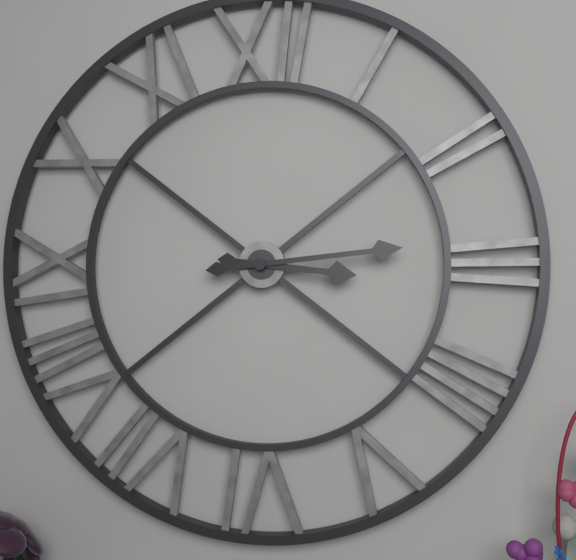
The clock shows 3 h 14 min
